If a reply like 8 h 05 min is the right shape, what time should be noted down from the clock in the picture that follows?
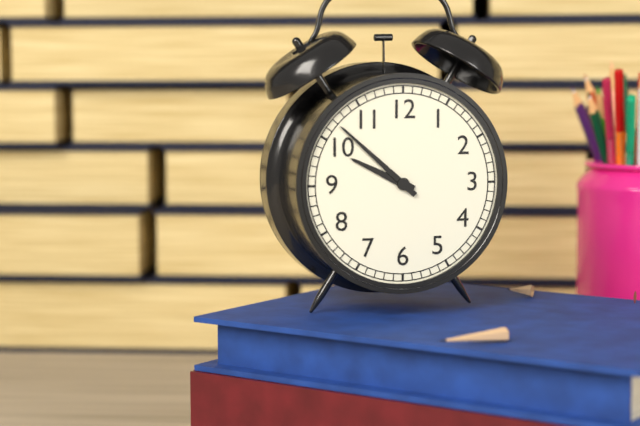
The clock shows 9 h 52 min
